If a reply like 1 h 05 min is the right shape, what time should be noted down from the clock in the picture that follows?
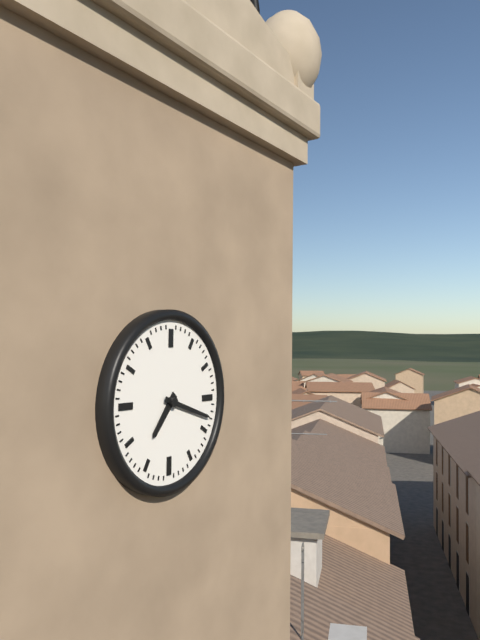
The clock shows 7 h 18 min
